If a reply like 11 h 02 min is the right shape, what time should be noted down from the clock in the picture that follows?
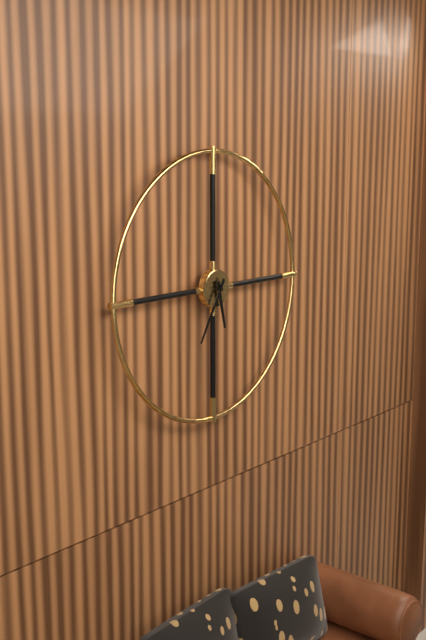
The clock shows 5 h 35 min
